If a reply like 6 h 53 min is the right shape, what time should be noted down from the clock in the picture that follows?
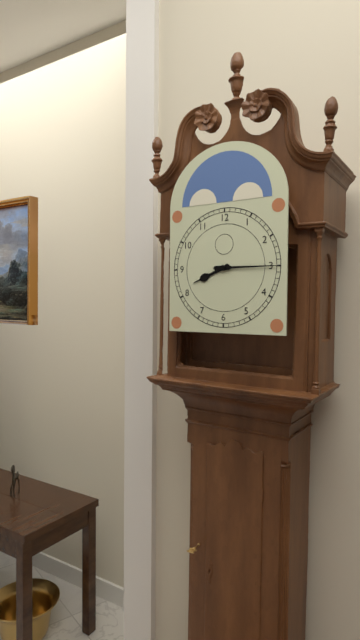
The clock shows 8 h 15 min
